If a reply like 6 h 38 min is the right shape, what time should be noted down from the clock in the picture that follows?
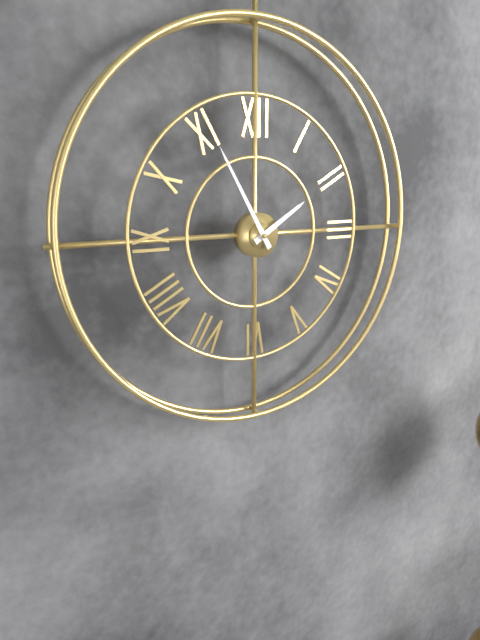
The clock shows 1 h 55 min
